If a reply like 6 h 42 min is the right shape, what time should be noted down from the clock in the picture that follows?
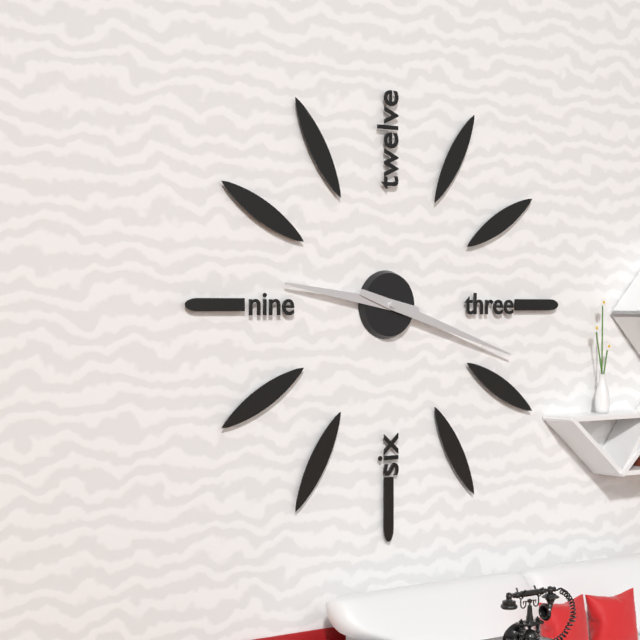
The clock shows 9 h 18 min
